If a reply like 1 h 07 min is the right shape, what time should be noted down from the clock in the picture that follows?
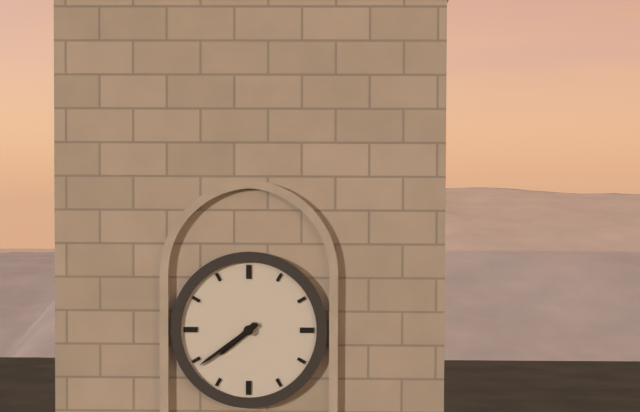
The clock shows 7 h 39 min
